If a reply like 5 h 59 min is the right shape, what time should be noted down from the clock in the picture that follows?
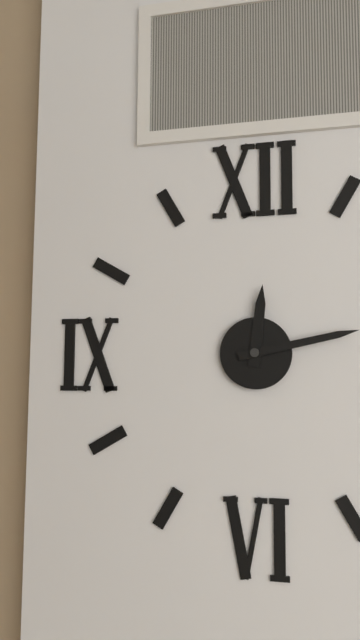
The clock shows 12 h 13 min
